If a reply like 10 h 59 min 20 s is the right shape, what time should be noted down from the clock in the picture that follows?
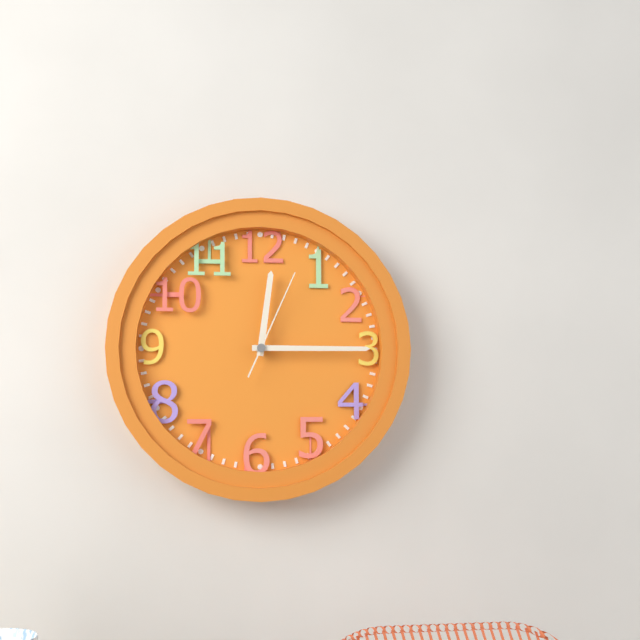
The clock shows 12 h 15 min 04 s
